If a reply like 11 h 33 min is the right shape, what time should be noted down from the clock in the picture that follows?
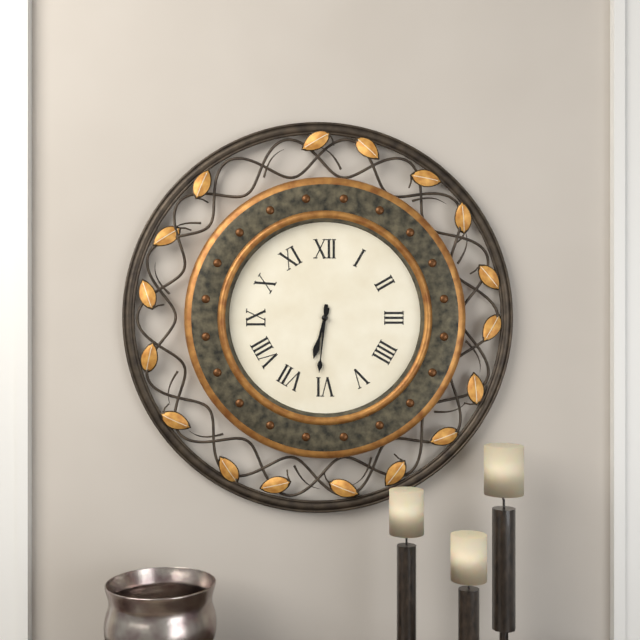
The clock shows 6 h 31 min
